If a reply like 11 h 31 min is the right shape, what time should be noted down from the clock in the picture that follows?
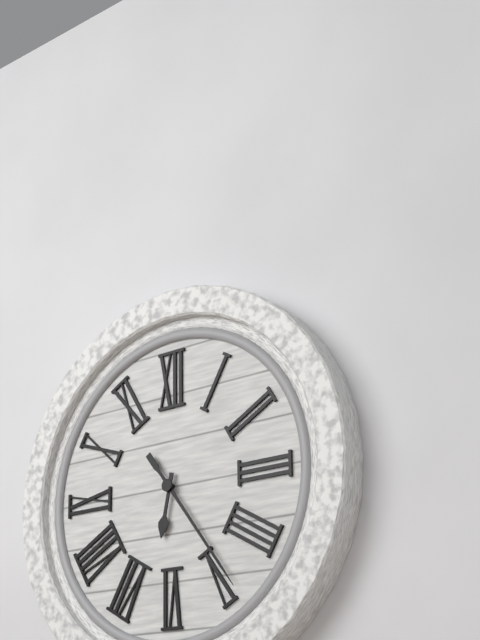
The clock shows 6 h 24 min
